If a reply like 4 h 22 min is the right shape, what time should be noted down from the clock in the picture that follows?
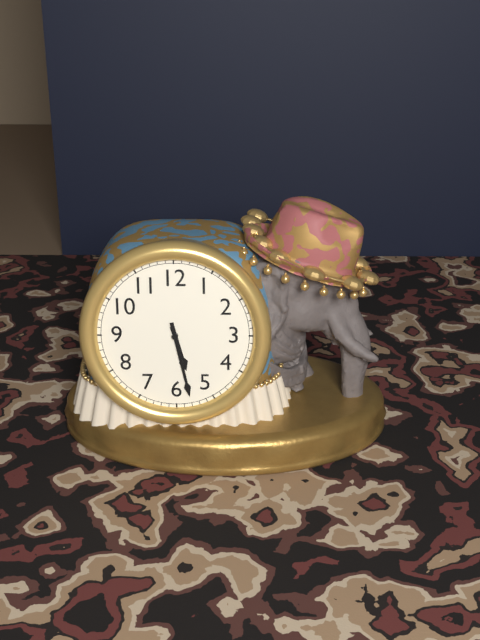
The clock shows 5 h 28 min
